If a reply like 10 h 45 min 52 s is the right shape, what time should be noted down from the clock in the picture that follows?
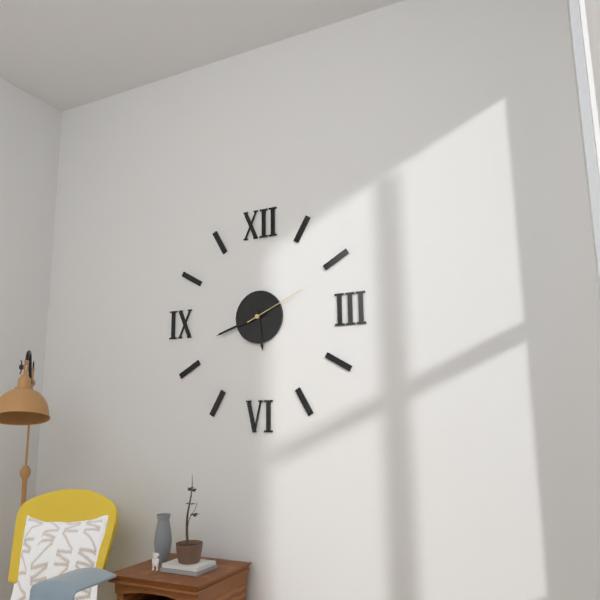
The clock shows 5 h 42 min 11 s
